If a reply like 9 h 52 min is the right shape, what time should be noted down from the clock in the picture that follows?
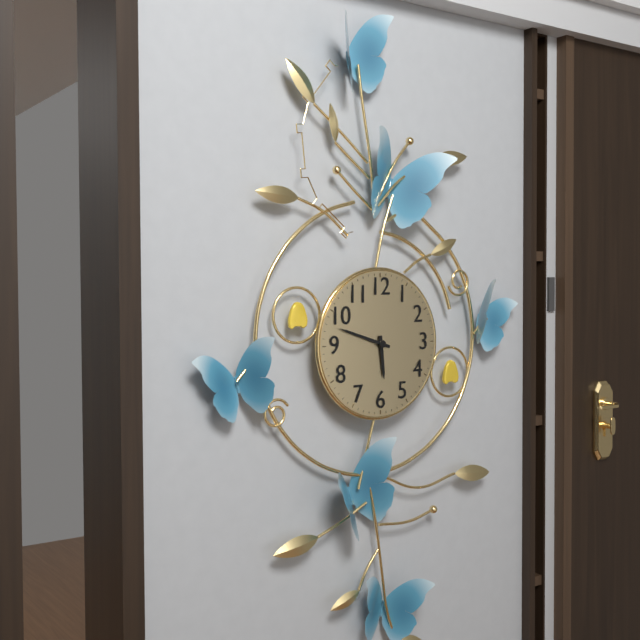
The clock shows 5 h 48 min
